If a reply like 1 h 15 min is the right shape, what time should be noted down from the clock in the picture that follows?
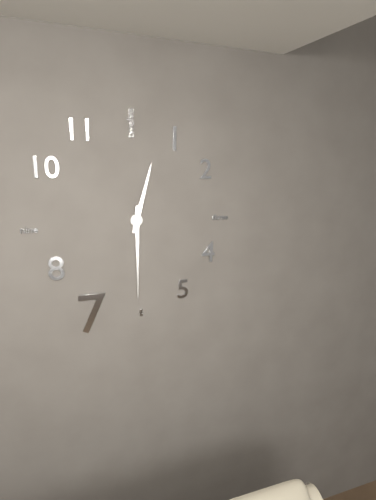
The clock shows 12 h 30 min
